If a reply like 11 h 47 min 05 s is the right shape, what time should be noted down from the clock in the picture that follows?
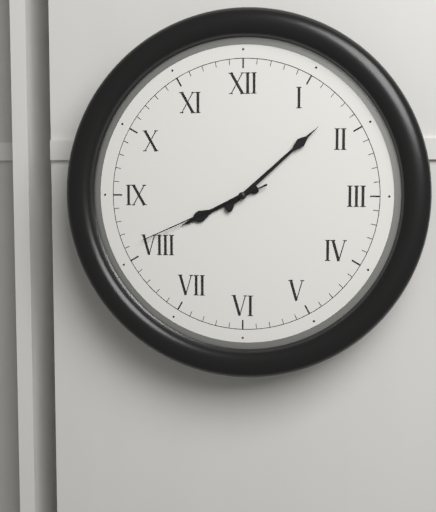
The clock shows 8 h 08 min 41 s
